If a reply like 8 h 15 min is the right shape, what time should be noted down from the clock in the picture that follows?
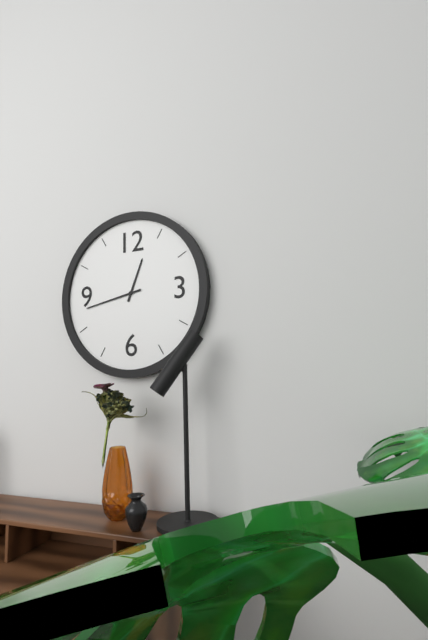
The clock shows 12 h 43 min
